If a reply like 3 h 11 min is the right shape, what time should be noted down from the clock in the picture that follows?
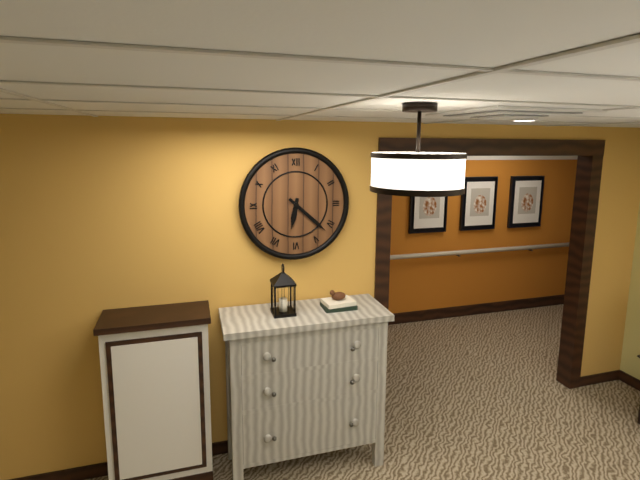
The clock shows 6 h 22 min
